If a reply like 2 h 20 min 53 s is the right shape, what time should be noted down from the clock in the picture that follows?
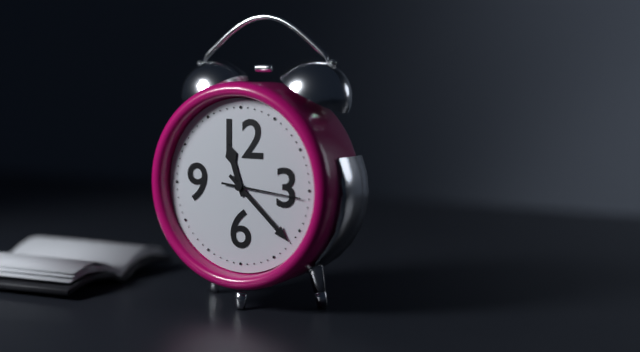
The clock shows 11 h 22 min 16 s
